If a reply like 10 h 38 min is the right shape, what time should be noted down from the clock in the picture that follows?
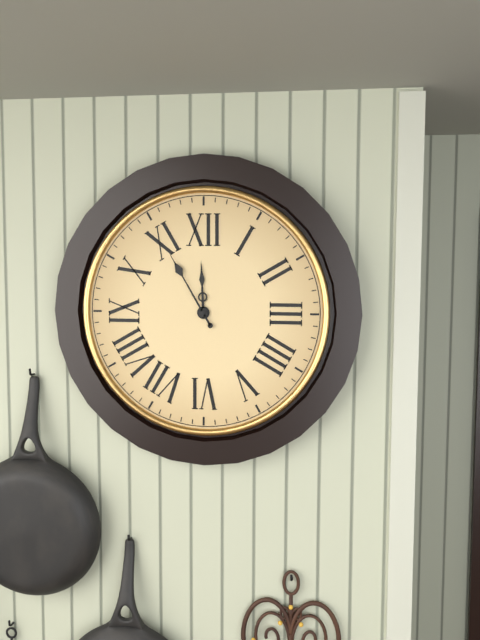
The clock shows 11 h 55 min
